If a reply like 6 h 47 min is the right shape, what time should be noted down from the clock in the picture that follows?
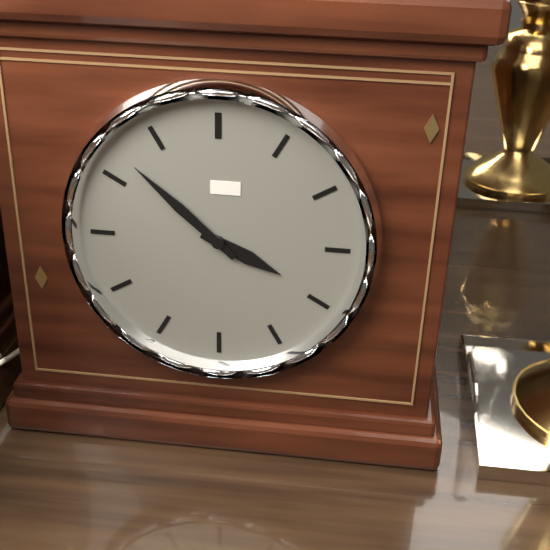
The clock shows 3 h 52 min
